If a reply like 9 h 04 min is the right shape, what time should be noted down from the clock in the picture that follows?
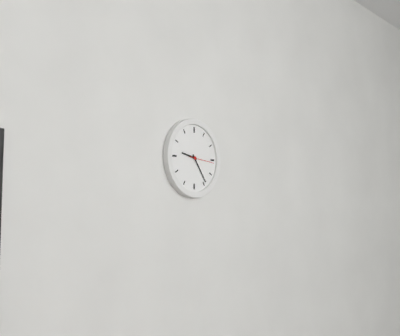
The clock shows 9 h 24 min
